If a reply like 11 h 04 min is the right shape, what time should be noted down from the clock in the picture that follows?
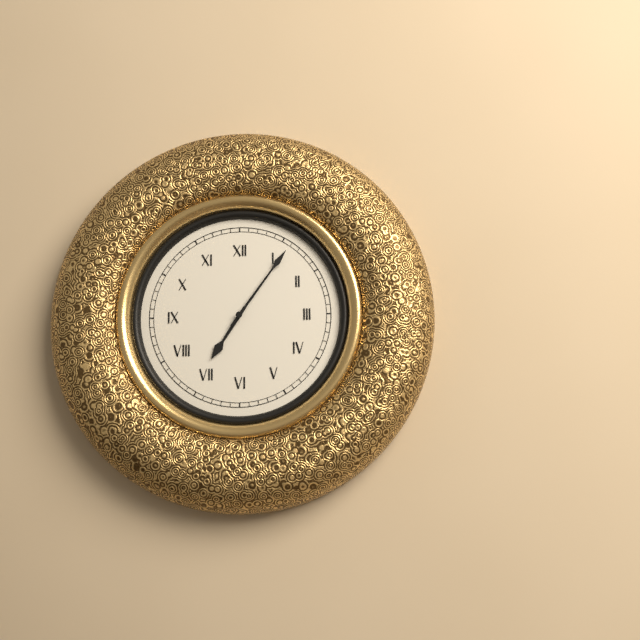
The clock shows 7 h 06 min
